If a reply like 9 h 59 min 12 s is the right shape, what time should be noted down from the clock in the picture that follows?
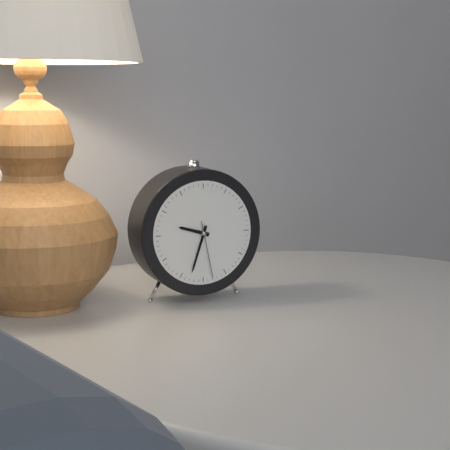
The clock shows 9 h 33 min 28 s
